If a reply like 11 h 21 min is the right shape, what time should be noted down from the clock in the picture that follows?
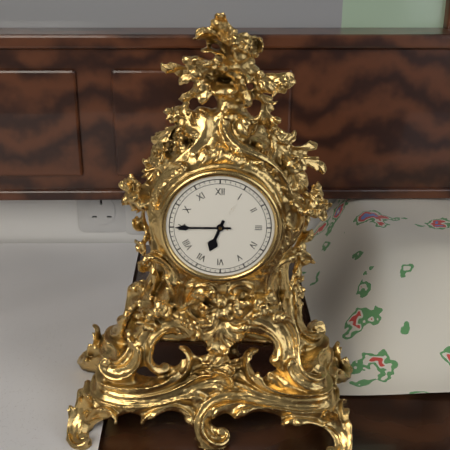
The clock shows 6 h 45 min
